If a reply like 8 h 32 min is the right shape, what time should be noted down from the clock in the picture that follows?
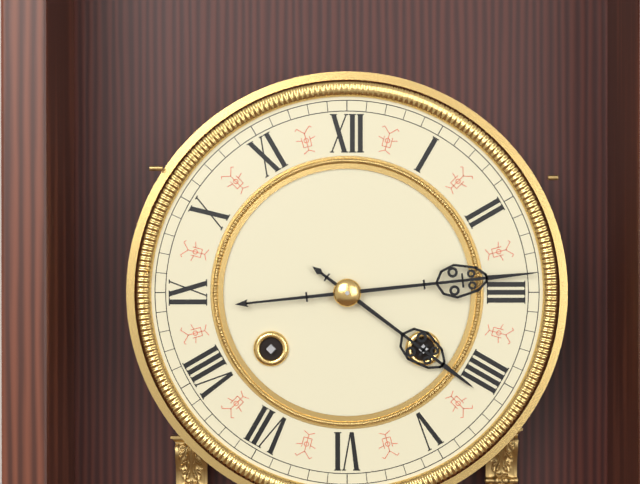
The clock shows 4 h 14 min
